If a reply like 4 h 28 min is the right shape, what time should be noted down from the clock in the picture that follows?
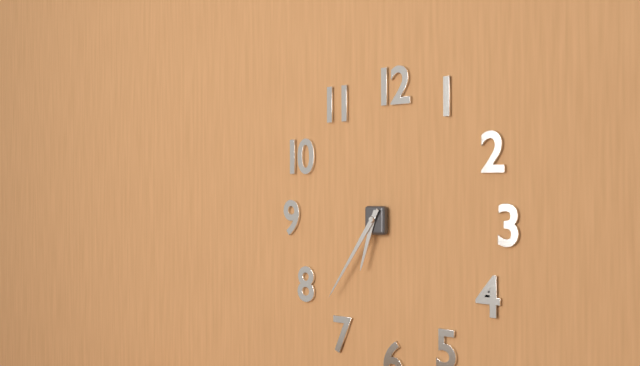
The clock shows 6 h 36 min
